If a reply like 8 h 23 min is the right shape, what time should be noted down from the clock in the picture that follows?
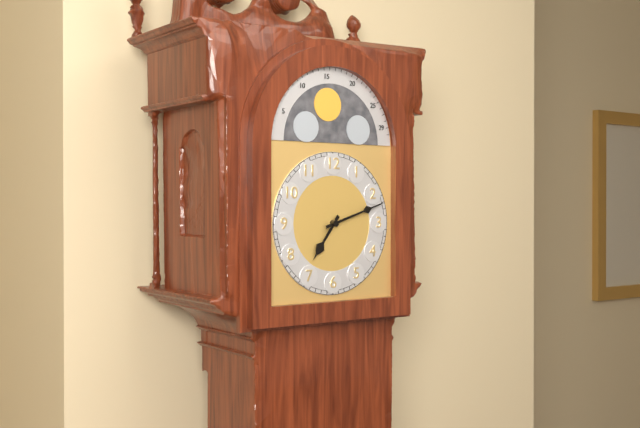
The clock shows 7 h 12 min
